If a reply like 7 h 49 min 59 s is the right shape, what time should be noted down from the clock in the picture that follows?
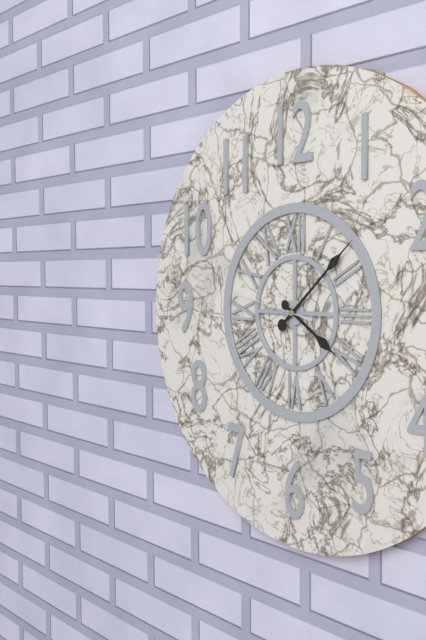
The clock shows 4 h 08 min 47 s
